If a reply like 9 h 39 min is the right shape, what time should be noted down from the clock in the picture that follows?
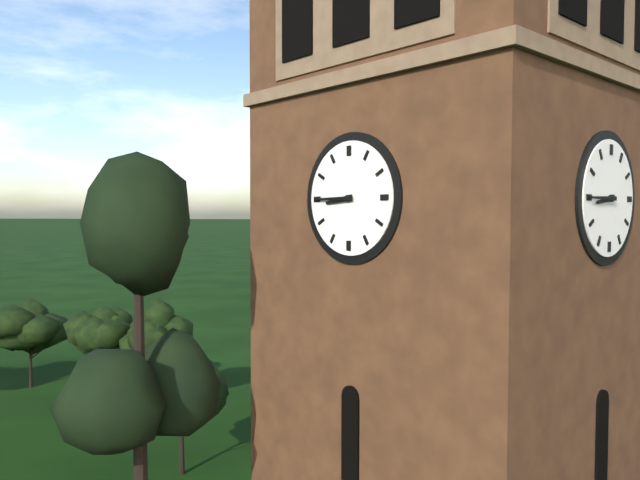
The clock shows 8 h 45 min
